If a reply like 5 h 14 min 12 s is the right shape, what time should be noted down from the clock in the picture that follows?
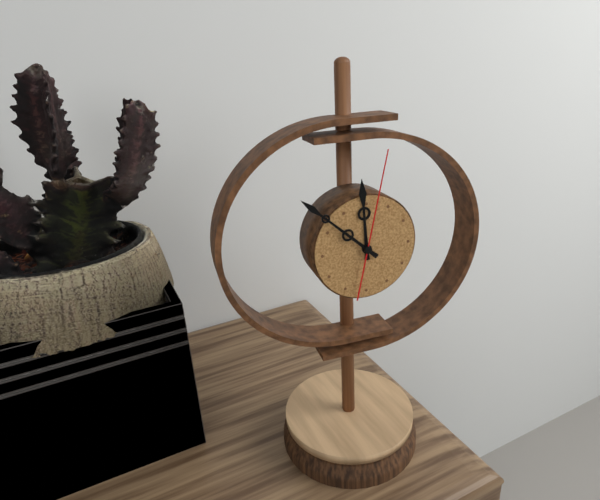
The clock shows 11 h 52 min 02 s
